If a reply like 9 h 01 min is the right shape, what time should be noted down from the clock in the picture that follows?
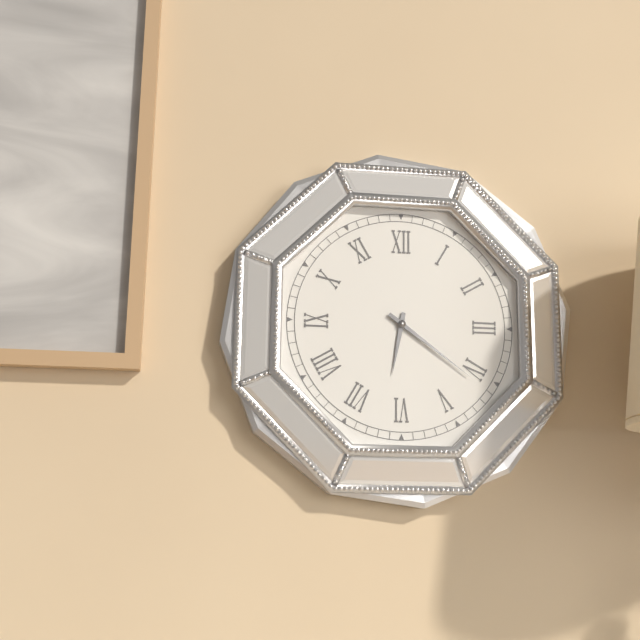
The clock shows 6 h 21 min
